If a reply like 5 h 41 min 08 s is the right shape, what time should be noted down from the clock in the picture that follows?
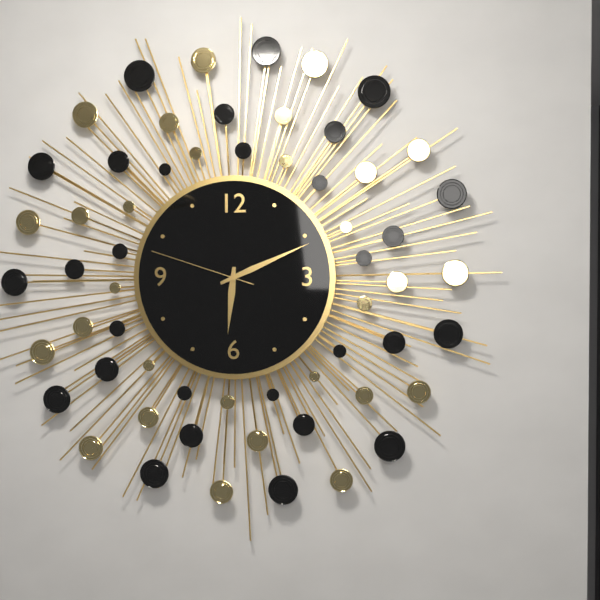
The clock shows 6 h 11 min 48 s
